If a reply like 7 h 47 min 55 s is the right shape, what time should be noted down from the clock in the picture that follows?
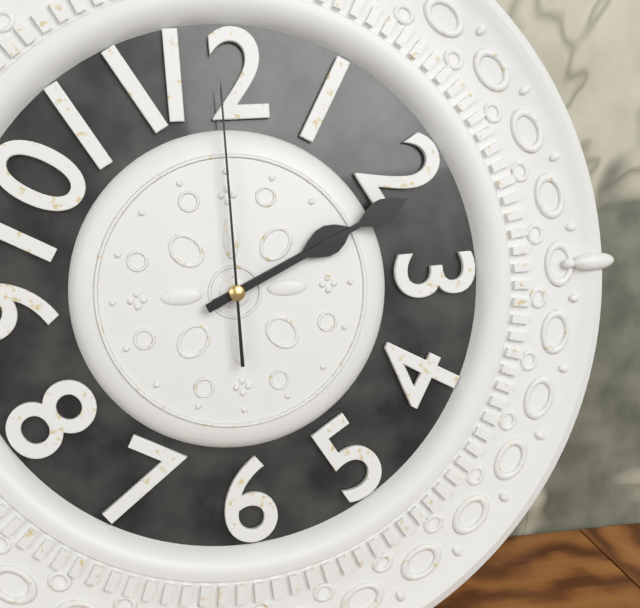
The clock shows 2 h 11 min 00 s
